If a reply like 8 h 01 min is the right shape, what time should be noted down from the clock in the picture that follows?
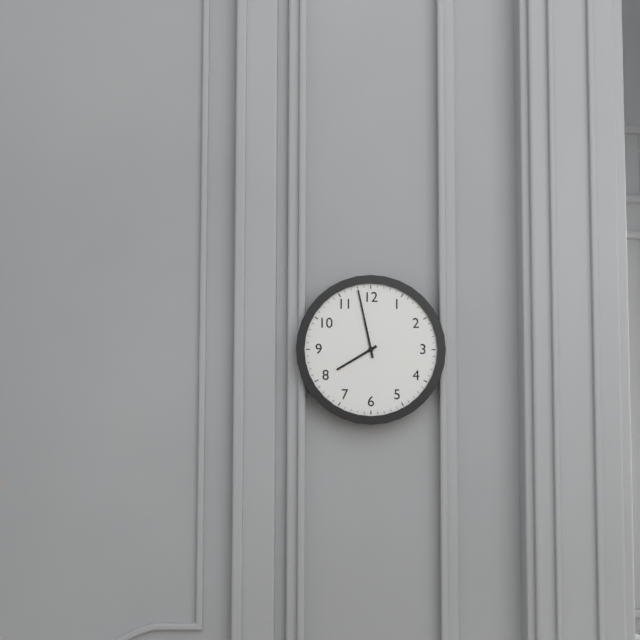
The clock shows 7 h 58 min
